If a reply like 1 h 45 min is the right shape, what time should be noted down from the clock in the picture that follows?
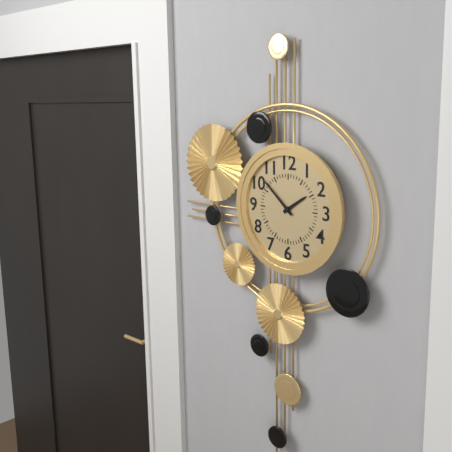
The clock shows 1 h 52 min
